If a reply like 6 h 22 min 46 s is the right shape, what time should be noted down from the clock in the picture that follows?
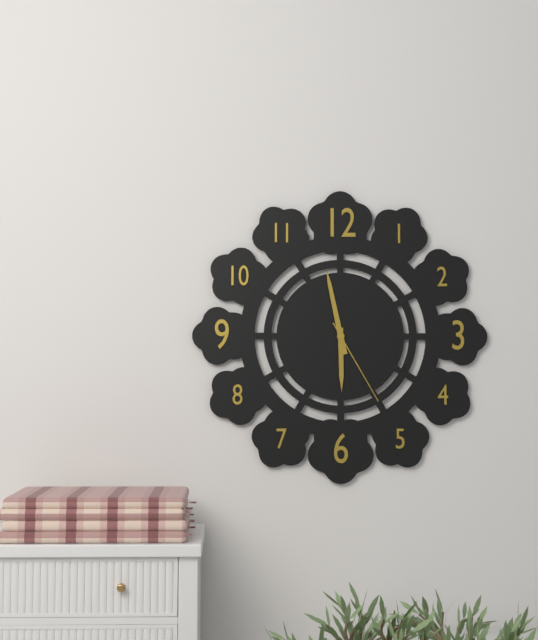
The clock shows 5 h 58 min 25 s
